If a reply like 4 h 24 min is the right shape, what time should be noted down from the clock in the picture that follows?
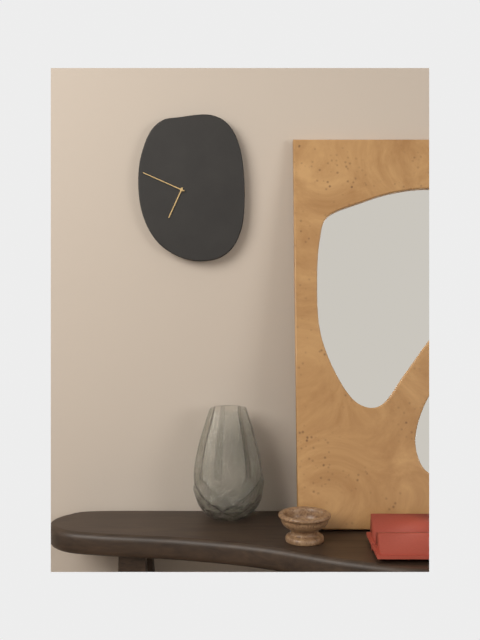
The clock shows 6 h 49 min
